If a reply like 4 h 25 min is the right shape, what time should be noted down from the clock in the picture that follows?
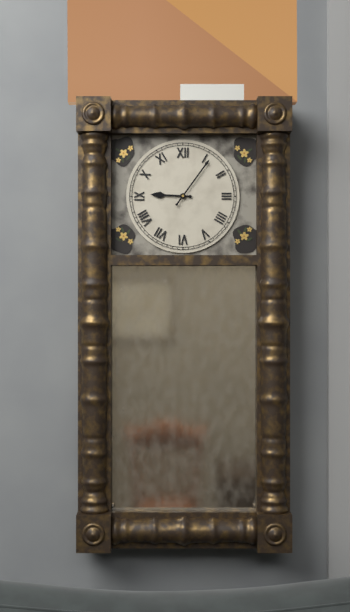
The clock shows 9 h 06 min
